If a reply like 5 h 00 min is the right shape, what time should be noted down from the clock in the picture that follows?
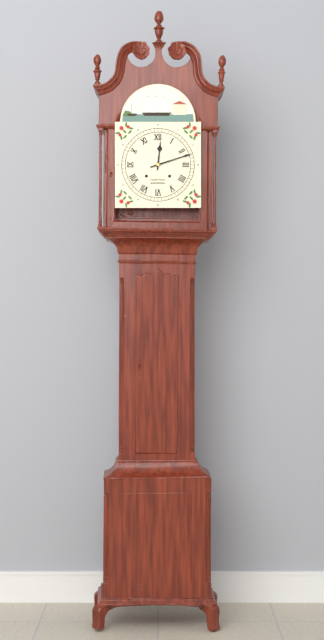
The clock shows 12 h 12 min
